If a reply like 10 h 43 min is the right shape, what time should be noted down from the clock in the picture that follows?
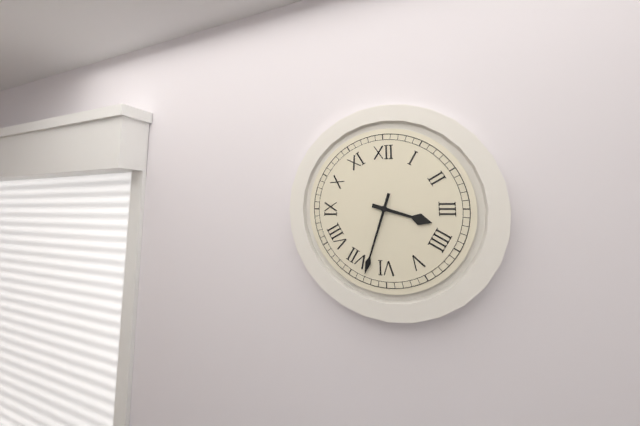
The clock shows 3 h 33 min
